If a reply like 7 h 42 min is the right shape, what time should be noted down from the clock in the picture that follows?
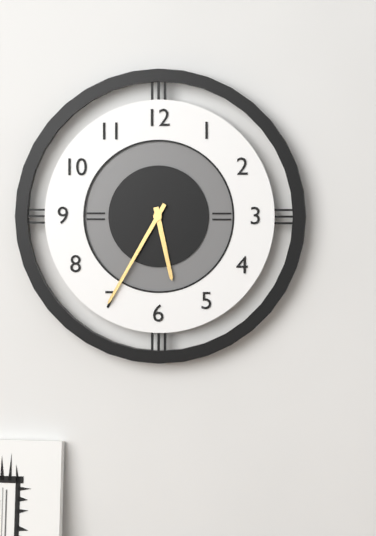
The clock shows 5 h 35 min
